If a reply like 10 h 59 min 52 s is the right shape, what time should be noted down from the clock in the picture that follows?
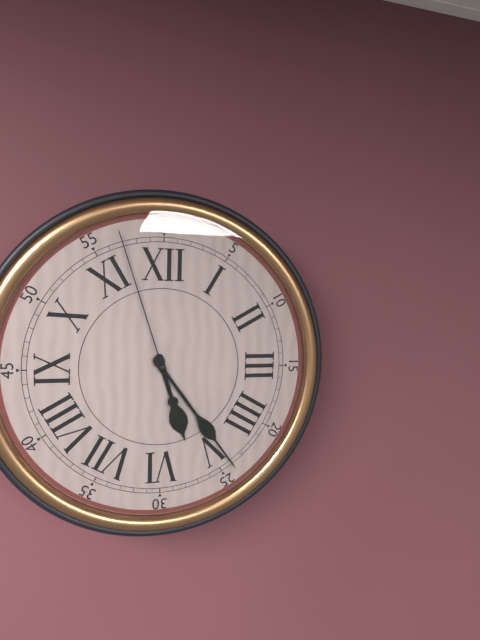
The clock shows 5 h 24 min 57 s
